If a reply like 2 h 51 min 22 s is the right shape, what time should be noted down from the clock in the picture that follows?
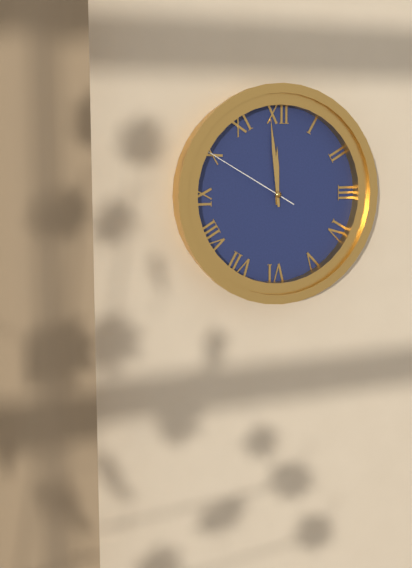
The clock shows 11 h 59 min 50 s
